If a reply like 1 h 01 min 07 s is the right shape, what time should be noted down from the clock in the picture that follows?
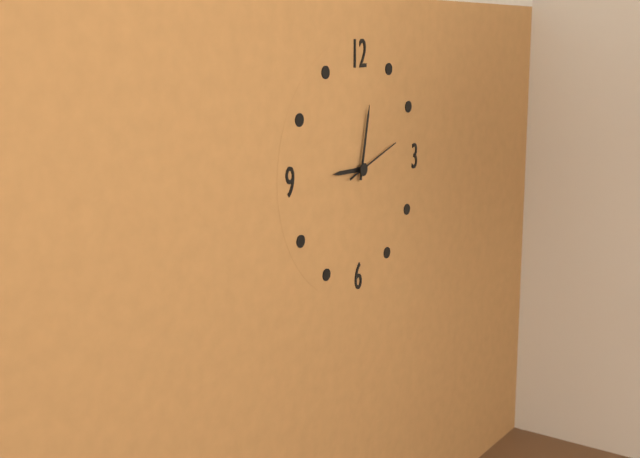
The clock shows 9 h 02 min 12 s
